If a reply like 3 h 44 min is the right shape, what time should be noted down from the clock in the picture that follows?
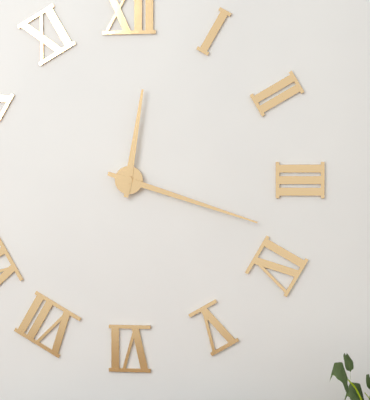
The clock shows 12 h 18 min
